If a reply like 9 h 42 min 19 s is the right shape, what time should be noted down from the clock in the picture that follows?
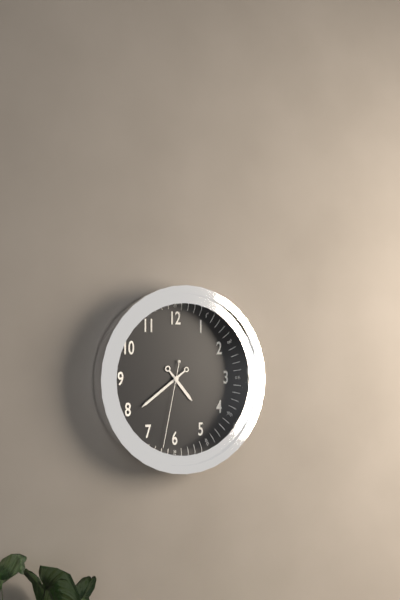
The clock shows 4 h 39 min 32 s
